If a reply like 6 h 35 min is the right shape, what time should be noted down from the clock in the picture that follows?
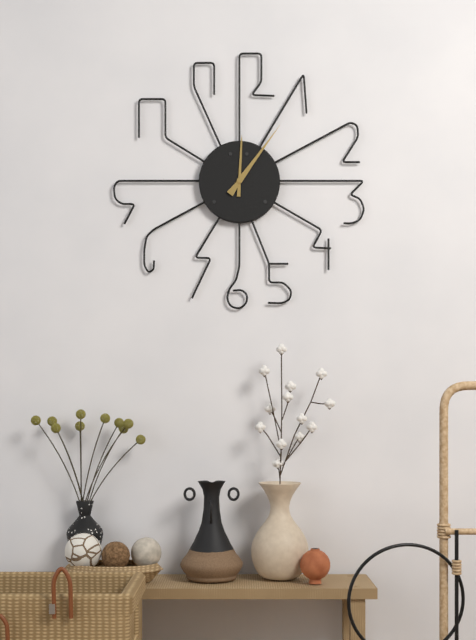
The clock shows 12 h 06 min
